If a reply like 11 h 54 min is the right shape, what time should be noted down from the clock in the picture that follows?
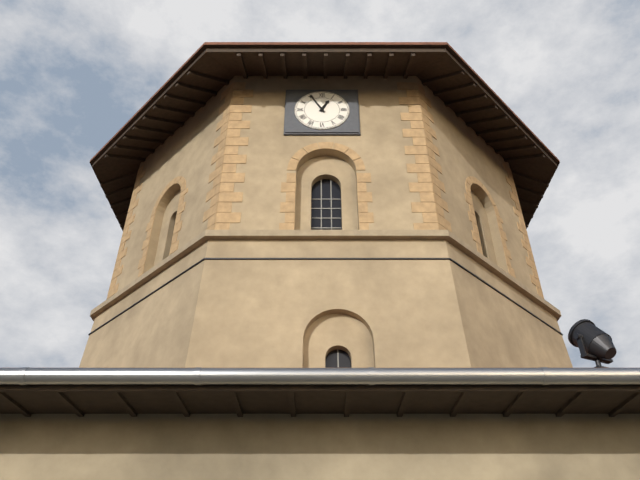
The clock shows 12 h 55 min
